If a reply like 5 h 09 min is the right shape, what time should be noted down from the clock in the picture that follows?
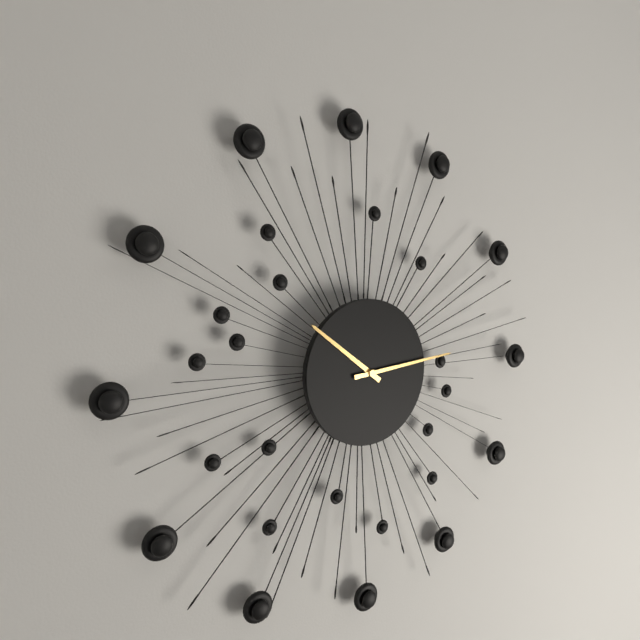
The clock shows 10 h 14 min
